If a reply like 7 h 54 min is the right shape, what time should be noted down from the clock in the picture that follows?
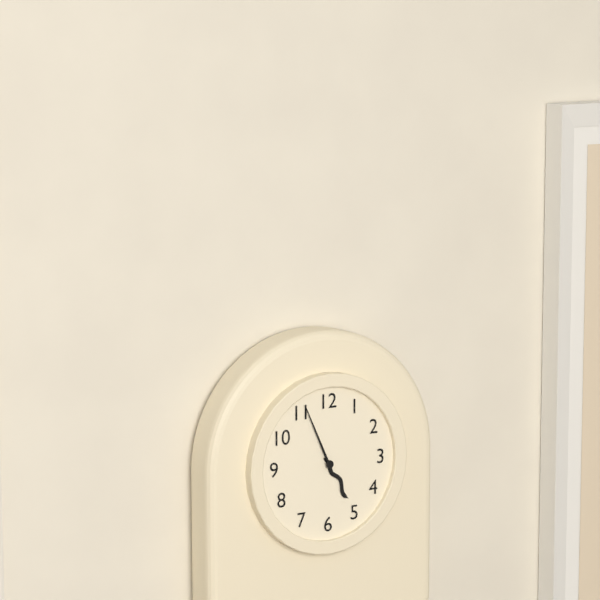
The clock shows 4 h 56 min
